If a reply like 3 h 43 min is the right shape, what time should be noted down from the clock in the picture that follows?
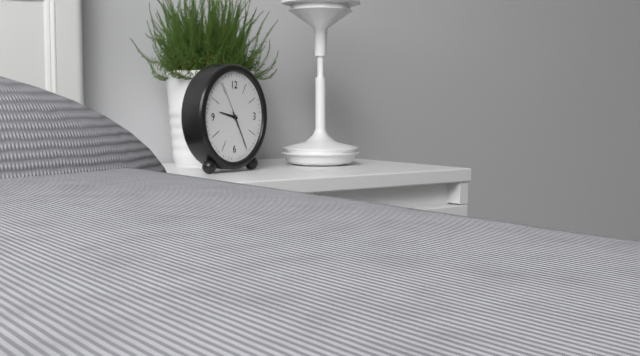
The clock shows 9 h 25 min
